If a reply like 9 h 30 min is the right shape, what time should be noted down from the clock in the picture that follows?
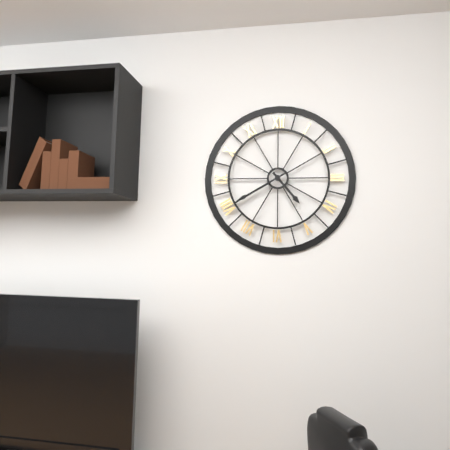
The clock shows 4 h 40 min
